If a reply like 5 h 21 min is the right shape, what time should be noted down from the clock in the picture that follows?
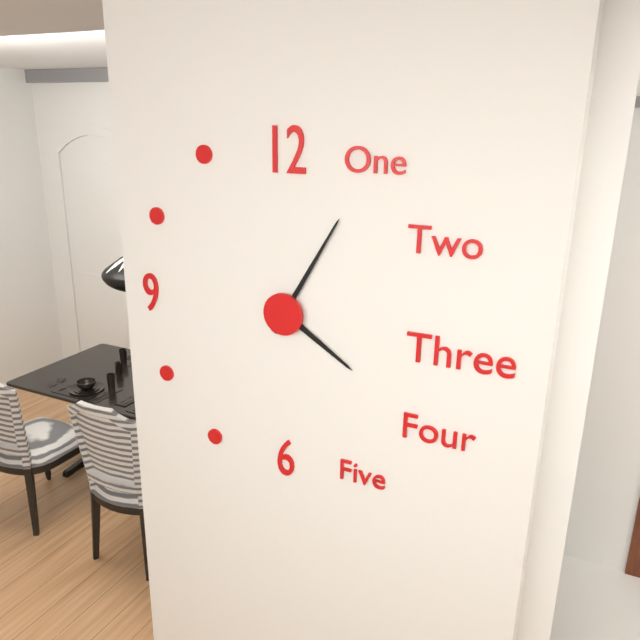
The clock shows 4 h 05 min
